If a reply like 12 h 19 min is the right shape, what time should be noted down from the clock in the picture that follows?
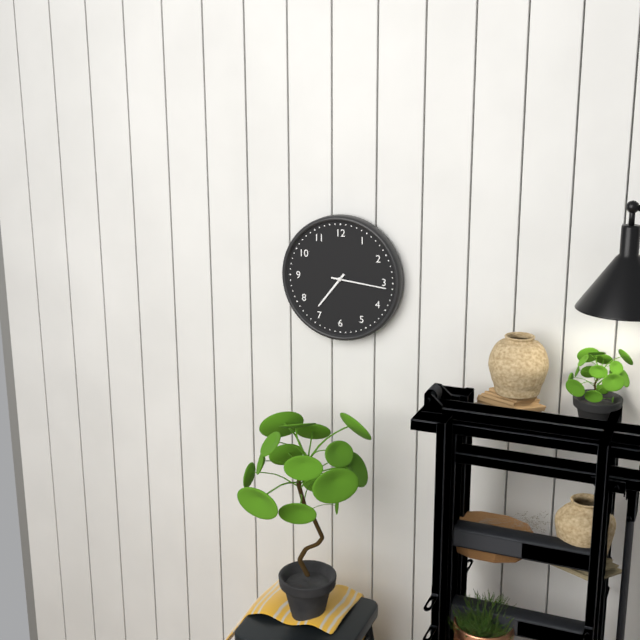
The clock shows 7 h 16 min
